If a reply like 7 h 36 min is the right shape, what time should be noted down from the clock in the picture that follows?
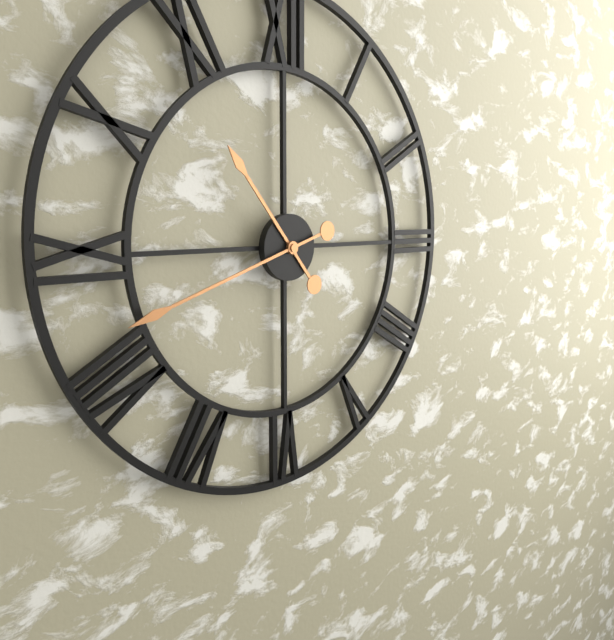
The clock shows 10 h 42 min
